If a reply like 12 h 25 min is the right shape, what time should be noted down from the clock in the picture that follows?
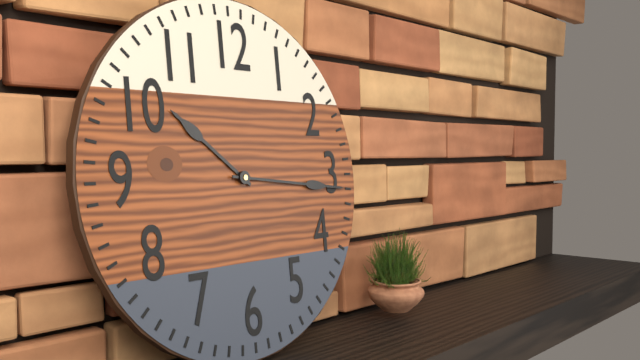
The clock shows 10 h 16 min
